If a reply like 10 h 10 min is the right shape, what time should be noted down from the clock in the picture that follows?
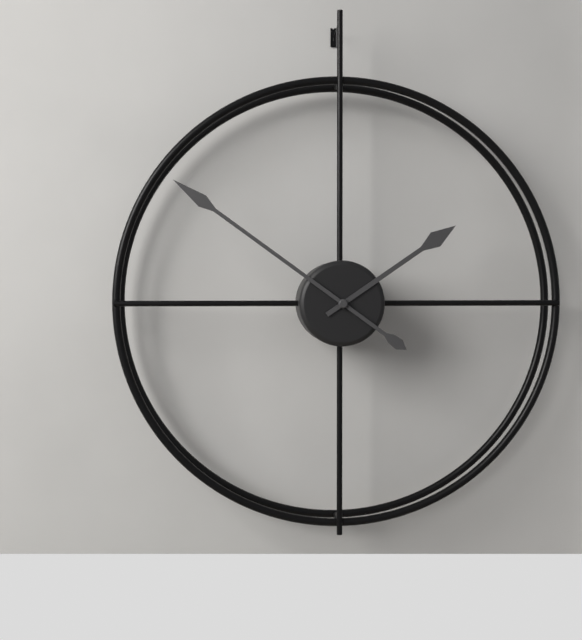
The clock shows 1 h 51 min
